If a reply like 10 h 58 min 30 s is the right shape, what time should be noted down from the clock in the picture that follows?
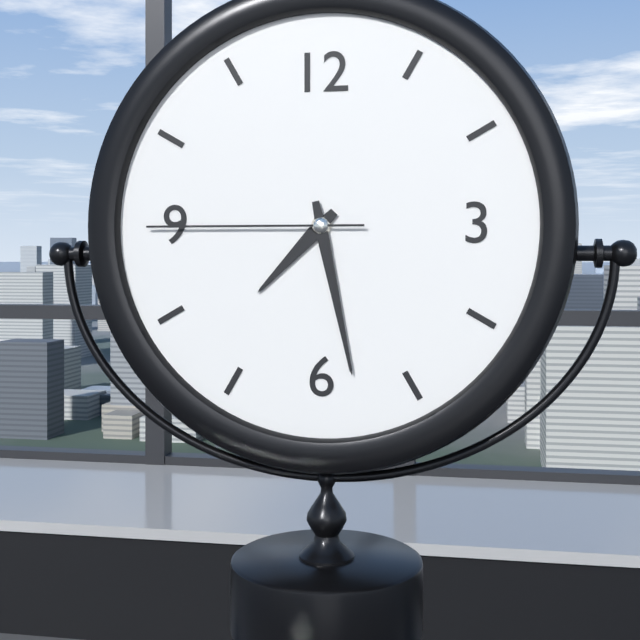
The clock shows 7 h 28 min 45 s
